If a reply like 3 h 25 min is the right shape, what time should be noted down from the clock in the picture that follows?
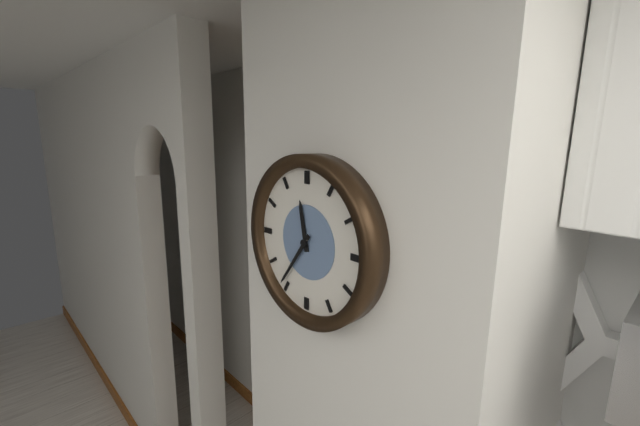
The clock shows 11 h 36 min
